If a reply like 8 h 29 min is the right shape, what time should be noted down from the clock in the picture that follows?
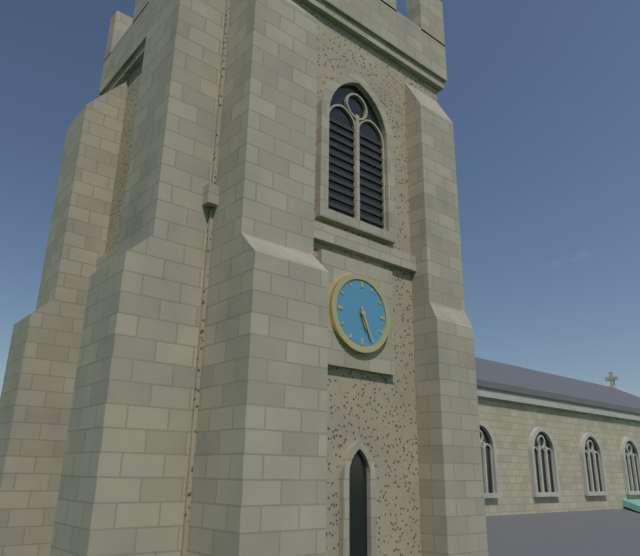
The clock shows 5 h 26 min
